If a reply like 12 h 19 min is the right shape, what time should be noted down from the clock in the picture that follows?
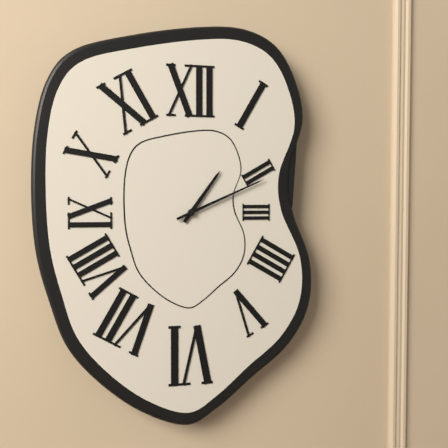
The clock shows 1 h 11 min
